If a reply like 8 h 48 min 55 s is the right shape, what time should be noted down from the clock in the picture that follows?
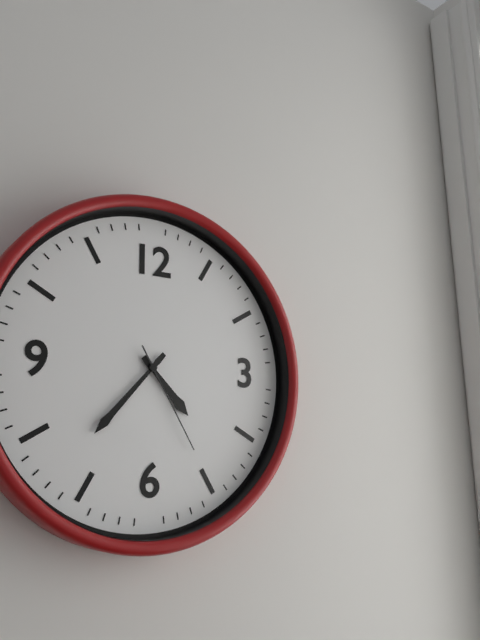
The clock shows 4 h 37 min 25 s
